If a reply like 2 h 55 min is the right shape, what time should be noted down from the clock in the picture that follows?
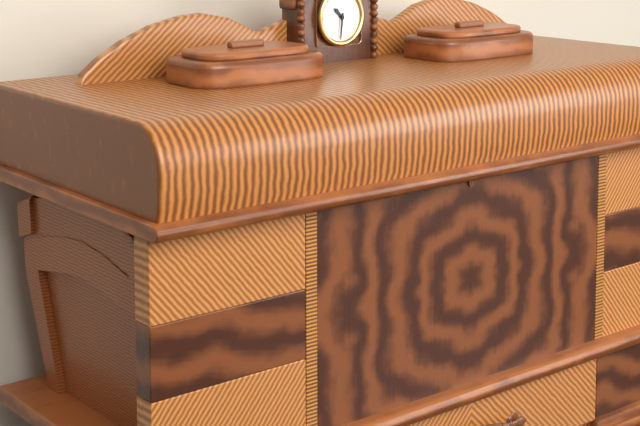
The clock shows 10 h 31 min
